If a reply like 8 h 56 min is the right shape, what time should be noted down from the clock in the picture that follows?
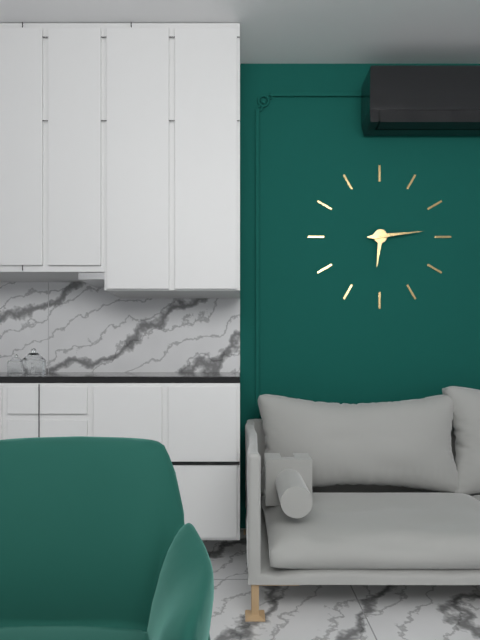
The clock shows 6 h 14 min
